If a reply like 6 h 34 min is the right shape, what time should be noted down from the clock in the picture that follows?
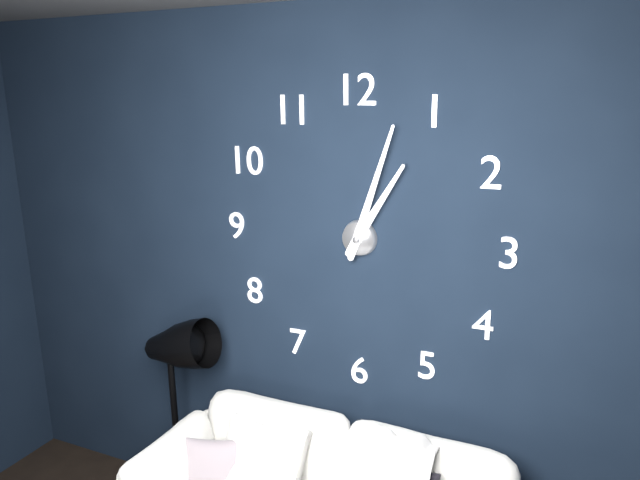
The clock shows 1 h 03 min
